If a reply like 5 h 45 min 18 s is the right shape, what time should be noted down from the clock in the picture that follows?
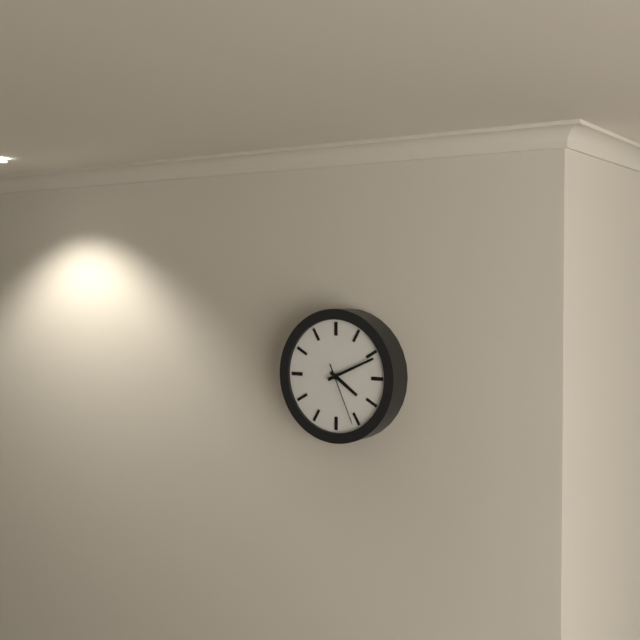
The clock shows 4 h 11 min 26 s
